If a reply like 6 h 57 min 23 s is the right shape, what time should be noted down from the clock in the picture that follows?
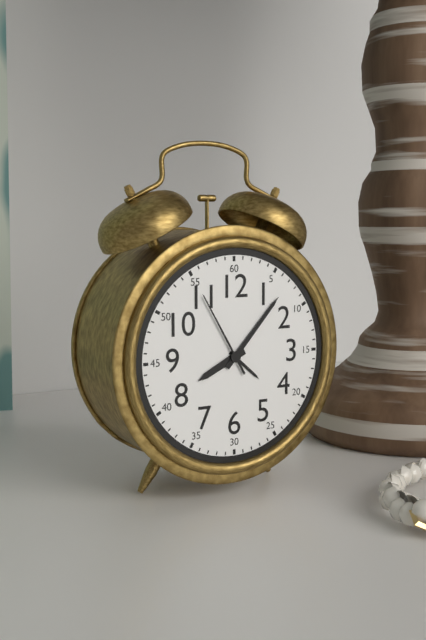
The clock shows 8 h 07 min 55 s
